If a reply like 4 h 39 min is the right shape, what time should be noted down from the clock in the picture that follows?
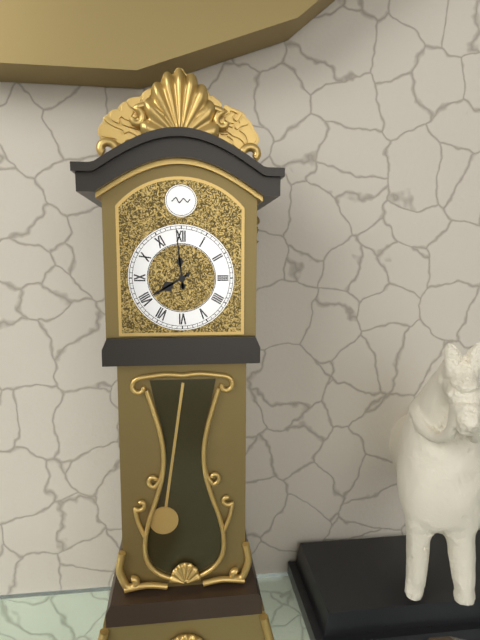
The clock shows 7 h 59 min
